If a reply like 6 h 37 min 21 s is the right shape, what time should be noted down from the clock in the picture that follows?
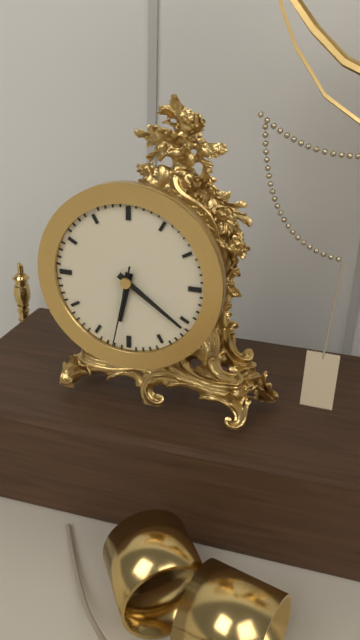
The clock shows 6 h 21 min 32 s
